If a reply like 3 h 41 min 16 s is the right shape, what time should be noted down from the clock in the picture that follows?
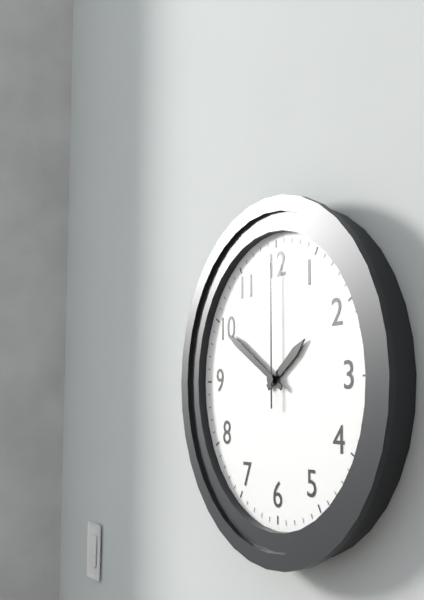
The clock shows 1 h 50 min 00 s
